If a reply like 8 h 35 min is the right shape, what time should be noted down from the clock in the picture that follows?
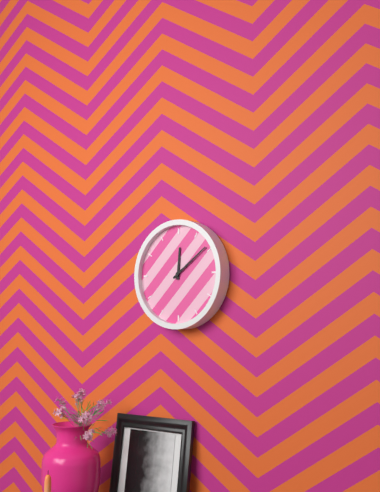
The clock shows 12 h 09 min
